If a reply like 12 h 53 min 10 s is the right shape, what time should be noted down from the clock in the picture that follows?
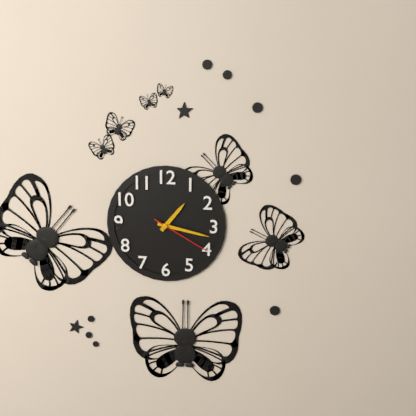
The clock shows 1 h 17 min 20 s
